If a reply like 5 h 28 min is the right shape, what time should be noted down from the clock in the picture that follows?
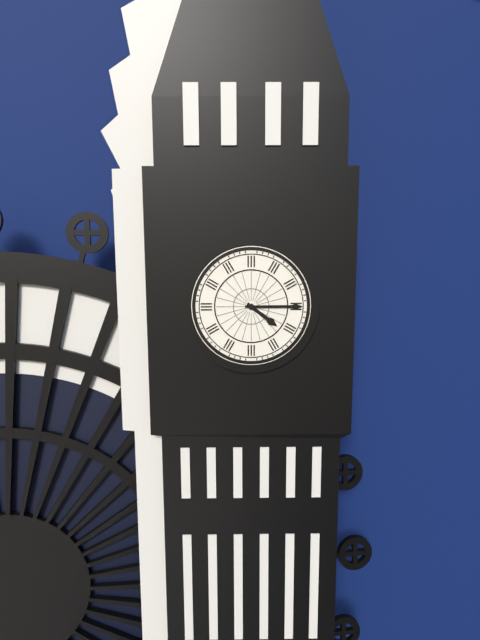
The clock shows 4 h 15 min
